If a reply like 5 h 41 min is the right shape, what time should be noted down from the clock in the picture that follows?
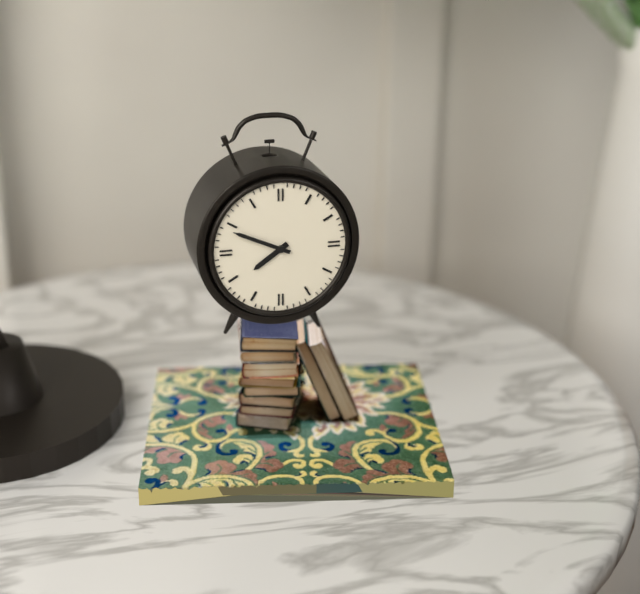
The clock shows 7 h 49 min
